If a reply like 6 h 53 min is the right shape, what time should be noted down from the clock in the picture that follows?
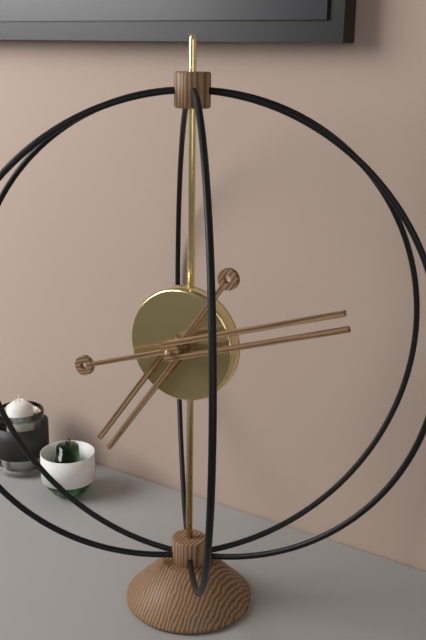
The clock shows 7 h 12 min
